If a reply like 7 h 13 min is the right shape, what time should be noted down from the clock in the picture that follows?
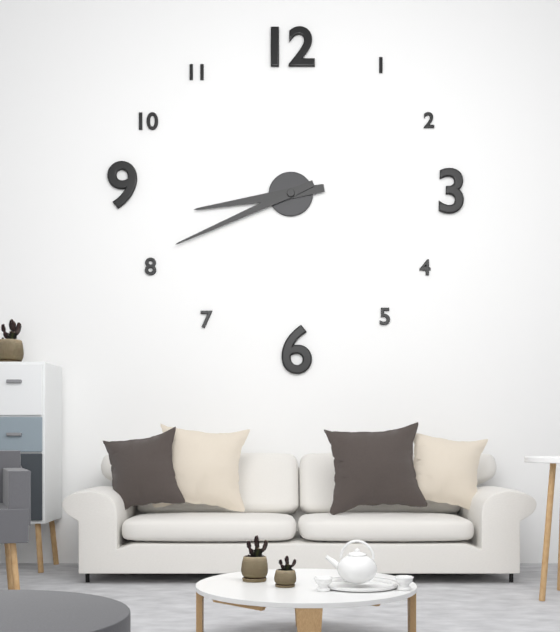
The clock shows 8 h 41 min
